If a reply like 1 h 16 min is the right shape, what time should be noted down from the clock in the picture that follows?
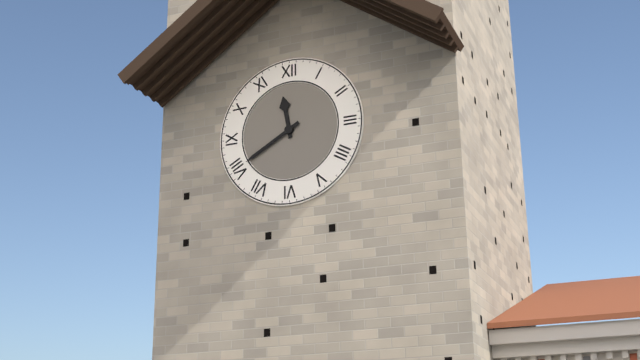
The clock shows 11 h 40 min
